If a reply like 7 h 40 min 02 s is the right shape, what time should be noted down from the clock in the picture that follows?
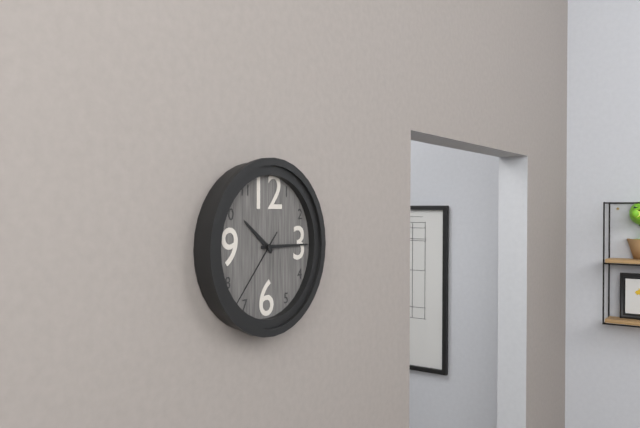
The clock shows 10 h 15 min 37 s
